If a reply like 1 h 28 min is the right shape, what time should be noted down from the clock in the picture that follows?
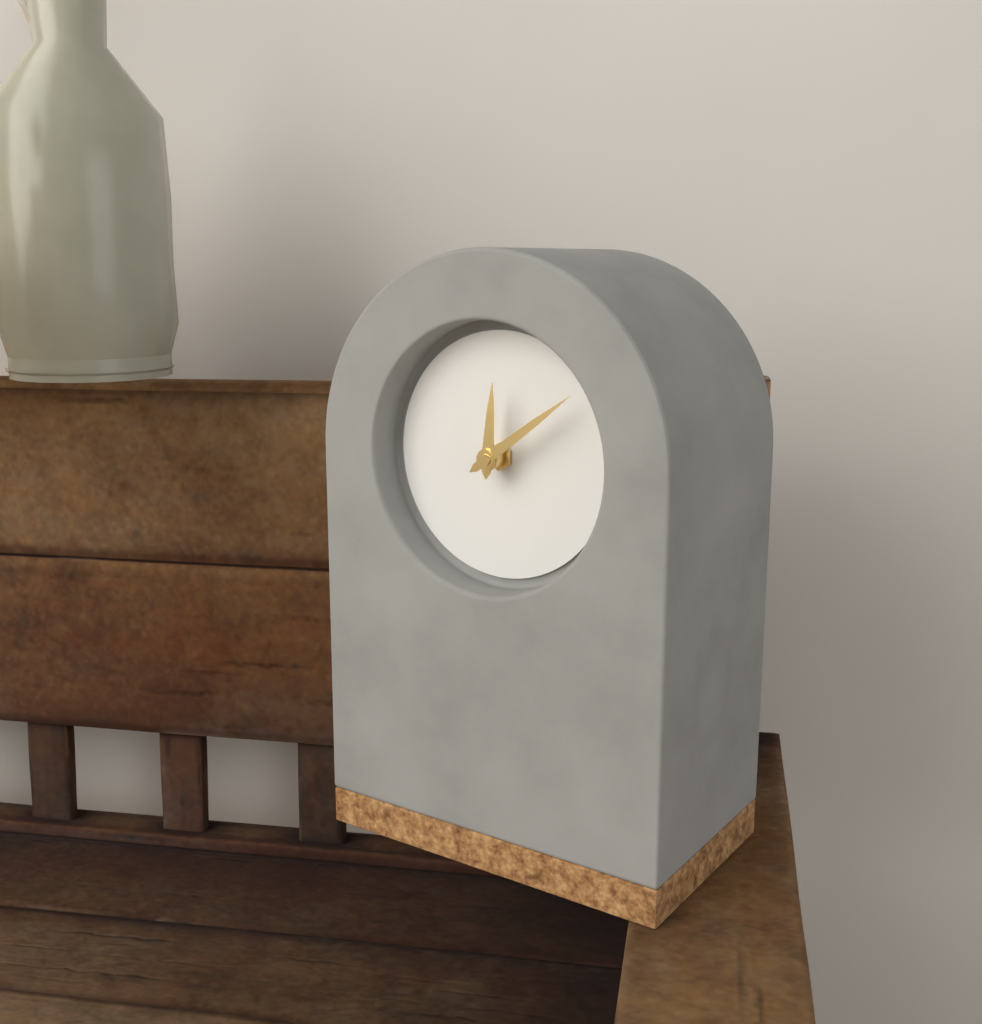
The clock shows 12 h 09 min
